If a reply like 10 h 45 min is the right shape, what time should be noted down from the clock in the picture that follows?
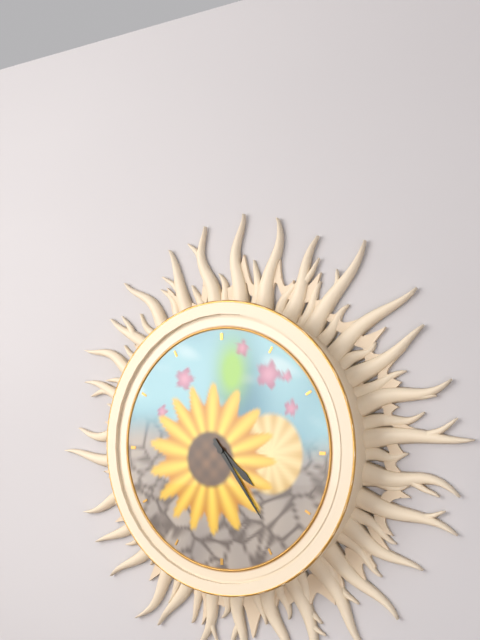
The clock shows 4 h 24 min
